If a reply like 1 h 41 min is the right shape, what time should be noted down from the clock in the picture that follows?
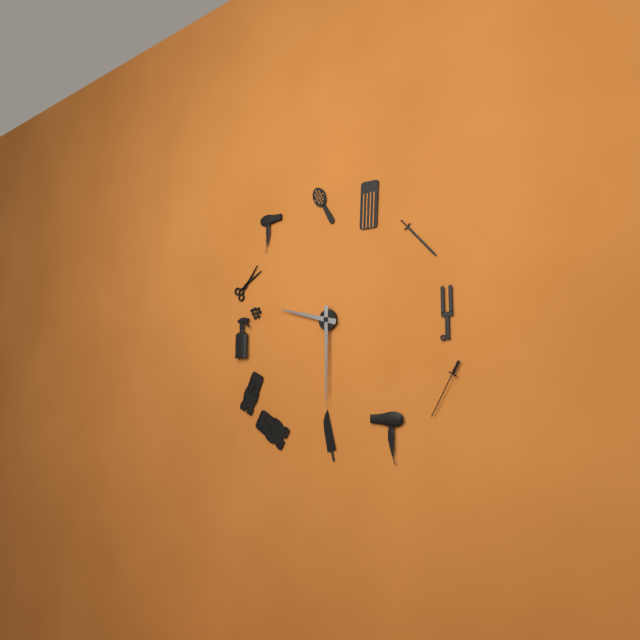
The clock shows 9 h 30 min
